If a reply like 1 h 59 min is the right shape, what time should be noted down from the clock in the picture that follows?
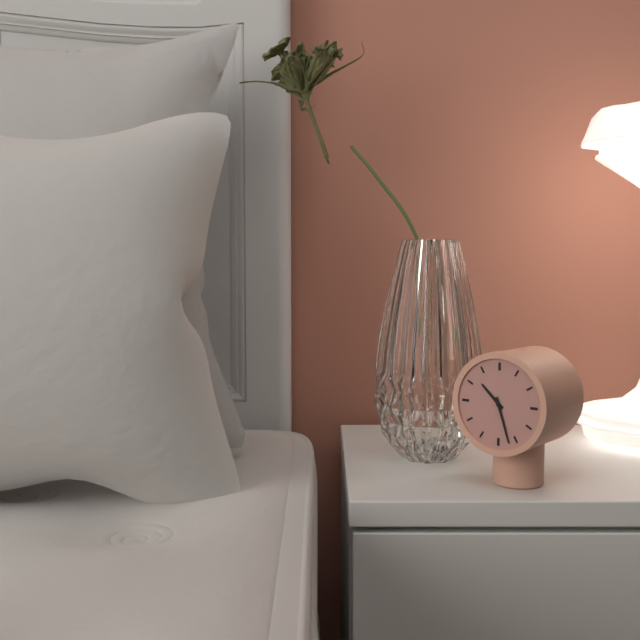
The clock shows 10 h 27 min
